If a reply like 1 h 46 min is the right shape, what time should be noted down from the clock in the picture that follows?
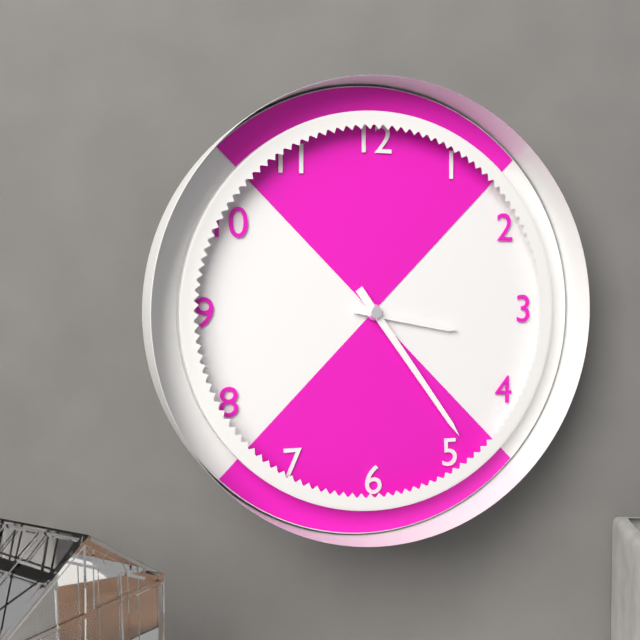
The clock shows 3 h 24 min
